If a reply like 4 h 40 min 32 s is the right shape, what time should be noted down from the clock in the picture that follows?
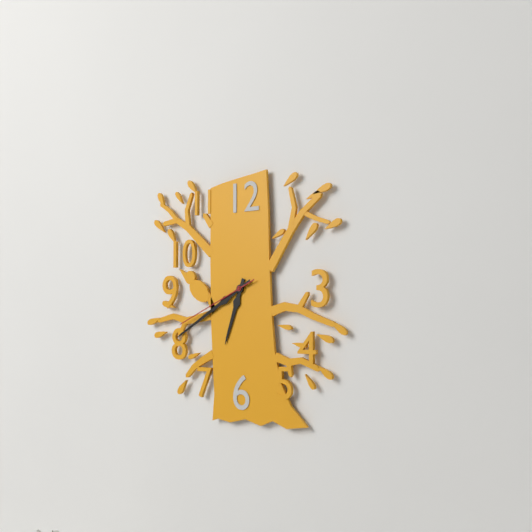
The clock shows 6 h 40 min 41 s
